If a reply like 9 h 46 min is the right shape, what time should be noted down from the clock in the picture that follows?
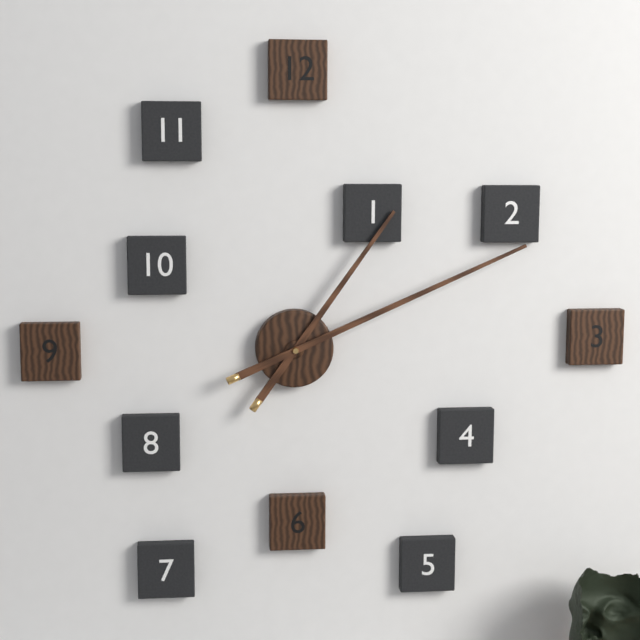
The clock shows 1 h 11 min
